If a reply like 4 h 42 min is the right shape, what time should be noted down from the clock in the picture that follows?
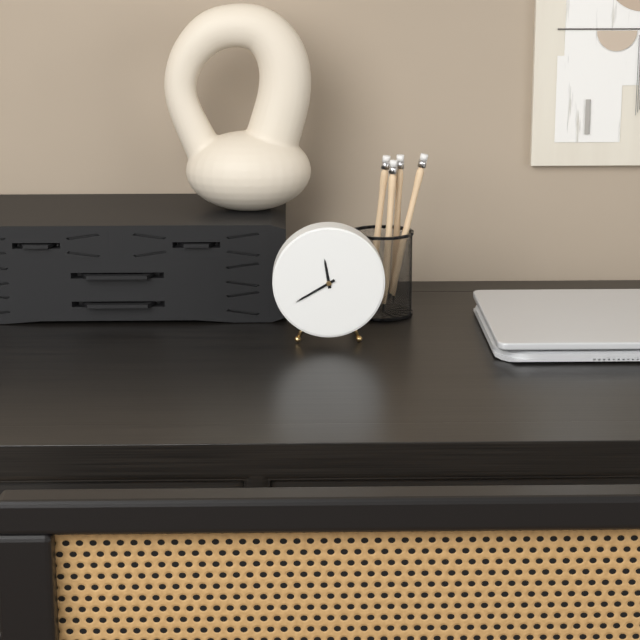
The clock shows 11 h 40 min
